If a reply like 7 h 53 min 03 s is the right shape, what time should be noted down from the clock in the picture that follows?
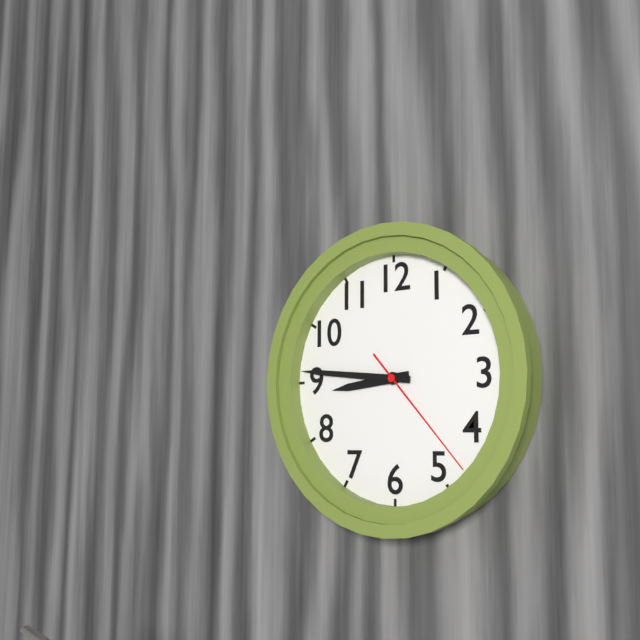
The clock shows 8 h 46 min 23 s
